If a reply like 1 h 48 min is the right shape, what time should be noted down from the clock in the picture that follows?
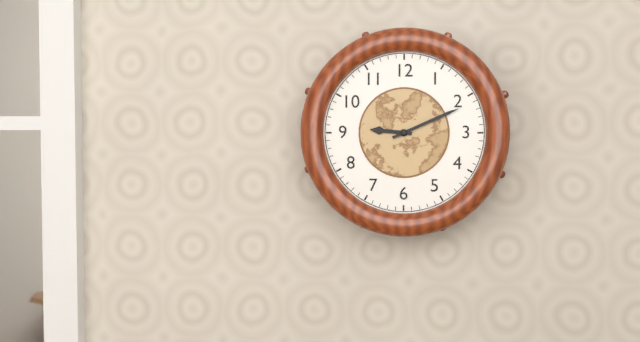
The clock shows 9 h 11 min
